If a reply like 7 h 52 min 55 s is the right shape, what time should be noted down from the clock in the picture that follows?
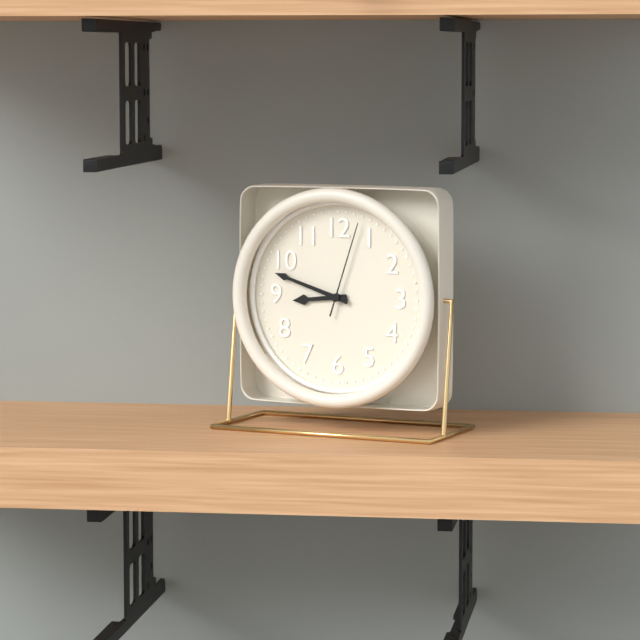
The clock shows 8 h 48 min 03 s
